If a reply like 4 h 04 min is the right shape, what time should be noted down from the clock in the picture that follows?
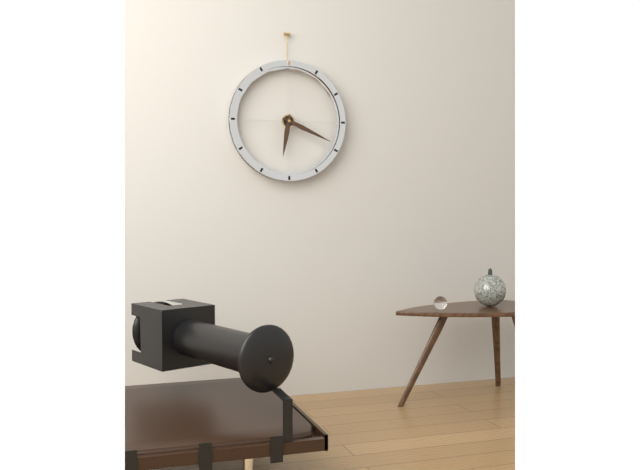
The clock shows 6 h 19 min
